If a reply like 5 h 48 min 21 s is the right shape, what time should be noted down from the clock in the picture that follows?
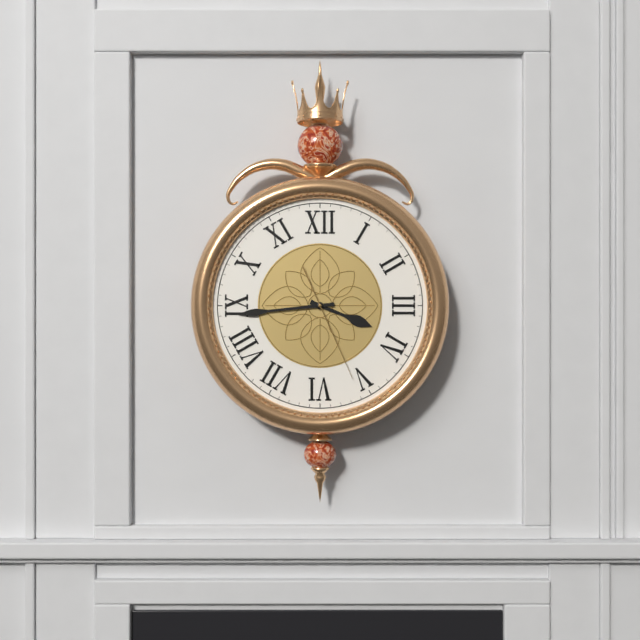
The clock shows 3 h 44 min 26 s
